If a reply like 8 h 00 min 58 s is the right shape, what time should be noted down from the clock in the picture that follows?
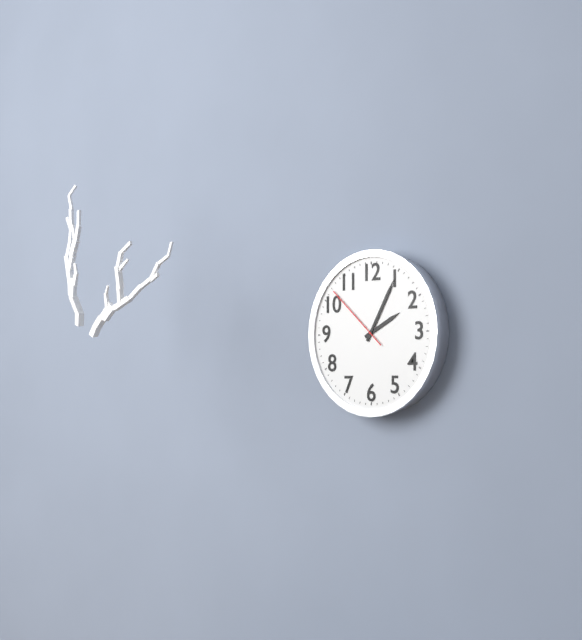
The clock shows 2 h 05 min 52 s
